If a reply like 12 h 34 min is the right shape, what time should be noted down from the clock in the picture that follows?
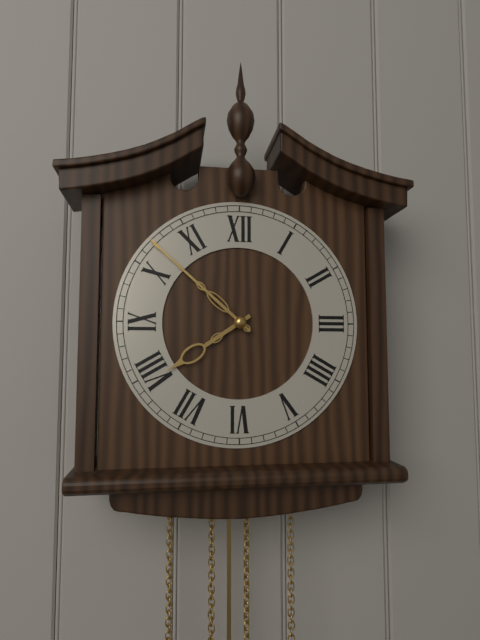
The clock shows 7 h 52 min
